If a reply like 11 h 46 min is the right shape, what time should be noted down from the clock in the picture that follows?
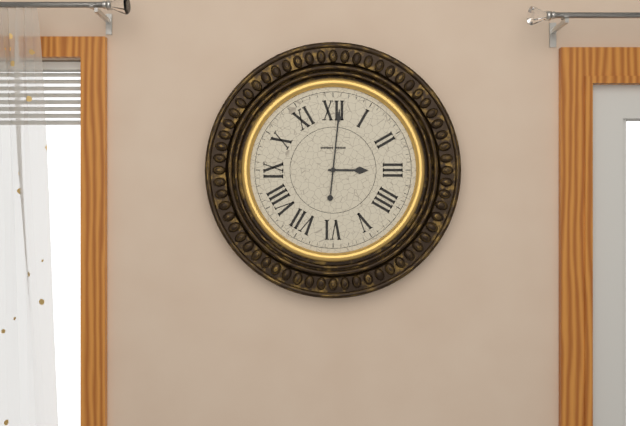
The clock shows 3 h 01 min
